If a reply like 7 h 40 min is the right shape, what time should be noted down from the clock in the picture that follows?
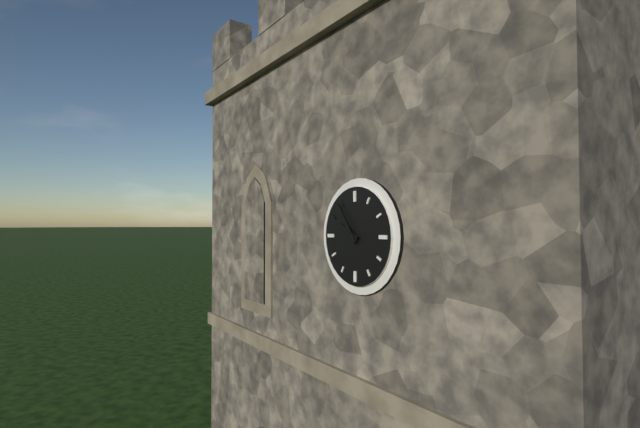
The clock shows 9 h 54 min
